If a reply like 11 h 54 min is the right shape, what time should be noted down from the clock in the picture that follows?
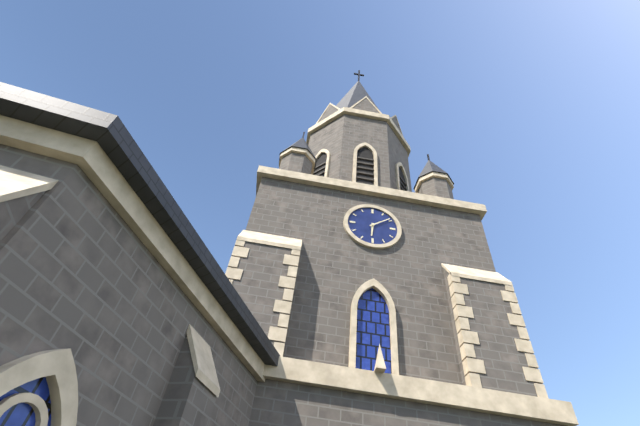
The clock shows 6 h 09 min
